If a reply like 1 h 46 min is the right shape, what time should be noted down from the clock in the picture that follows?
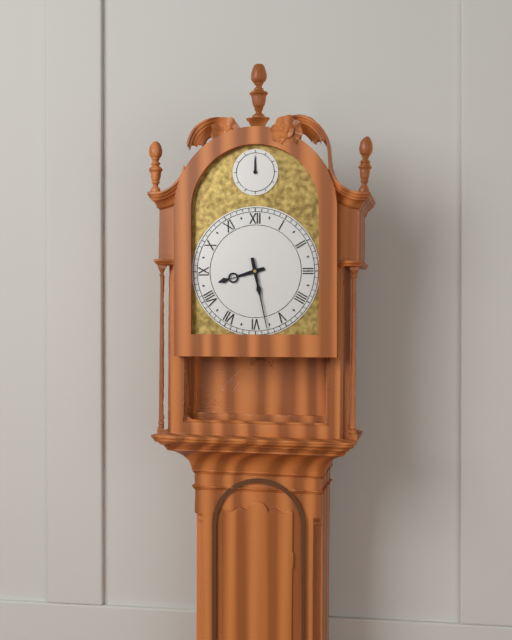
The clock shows 8 h 28 min
